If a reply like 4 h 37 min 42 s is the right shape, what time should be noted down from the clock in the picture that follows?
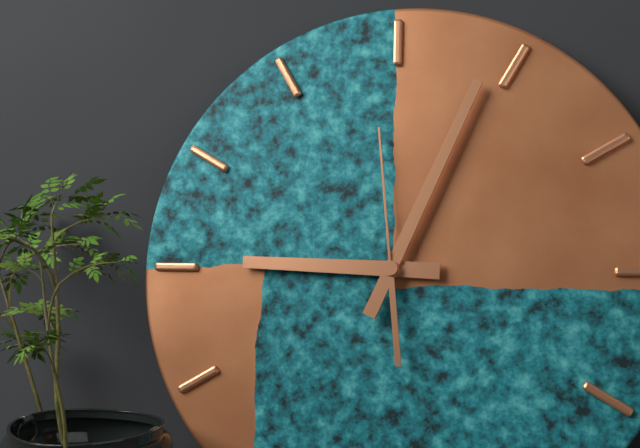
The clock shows 9 h 04 min 59 s
